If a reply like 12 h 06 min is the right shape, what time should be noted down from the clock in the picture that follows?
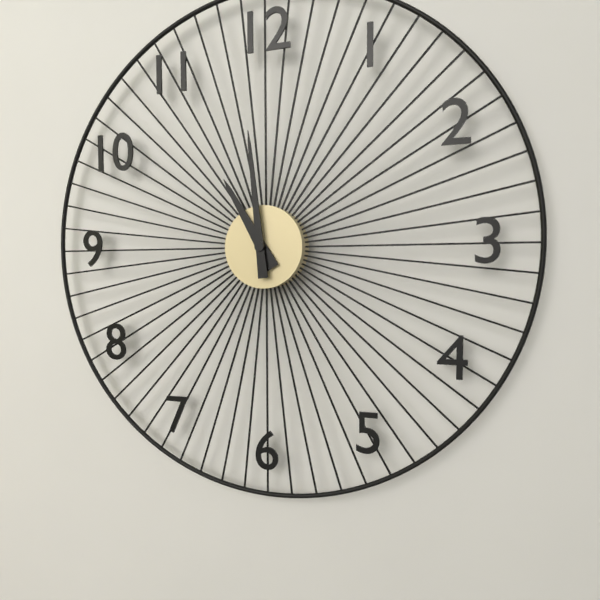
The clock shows 10 h 59 min
